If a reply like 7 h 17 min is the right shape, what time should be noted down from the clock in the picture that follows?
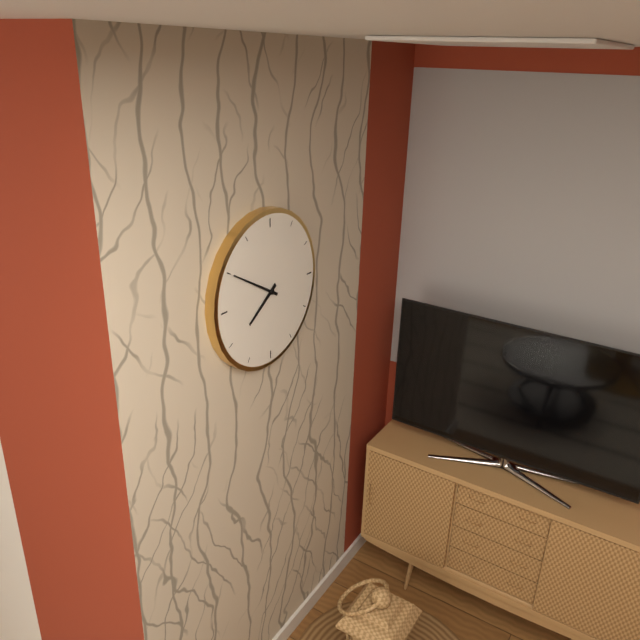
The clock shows 7 h 50 min
